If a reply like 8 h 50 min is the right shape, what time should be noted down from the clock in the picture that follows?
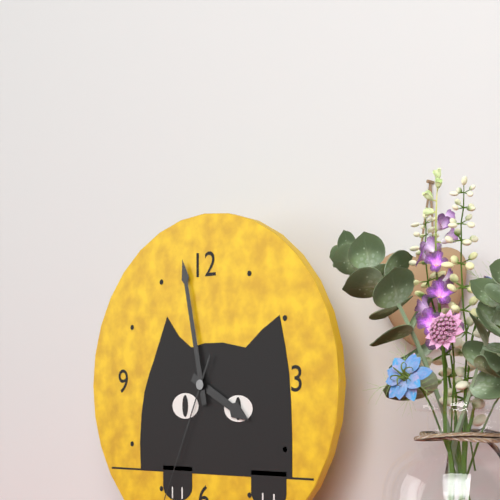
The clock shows 3 h 58 min
